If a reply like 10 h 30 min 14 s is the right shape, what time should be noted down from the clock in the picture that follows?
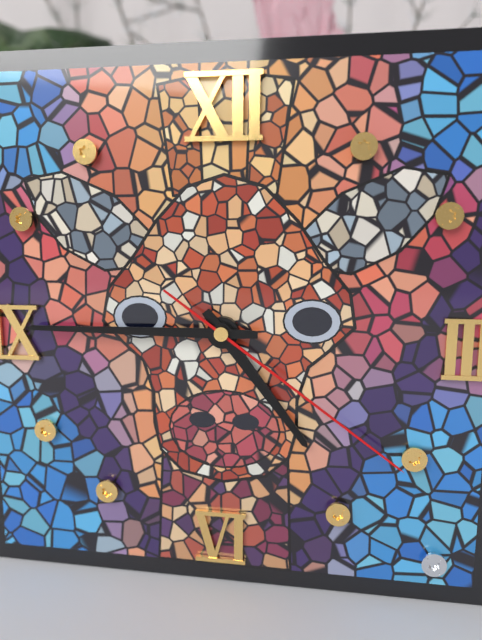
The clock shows 4 h 45 min 21 s
